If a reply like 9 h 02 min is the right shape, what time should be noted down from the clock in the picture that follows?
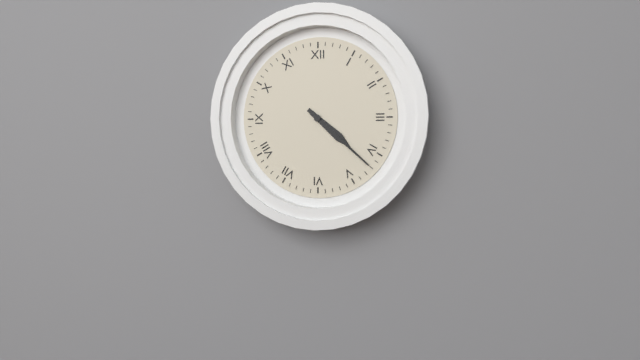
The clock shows 4 h 22 min
